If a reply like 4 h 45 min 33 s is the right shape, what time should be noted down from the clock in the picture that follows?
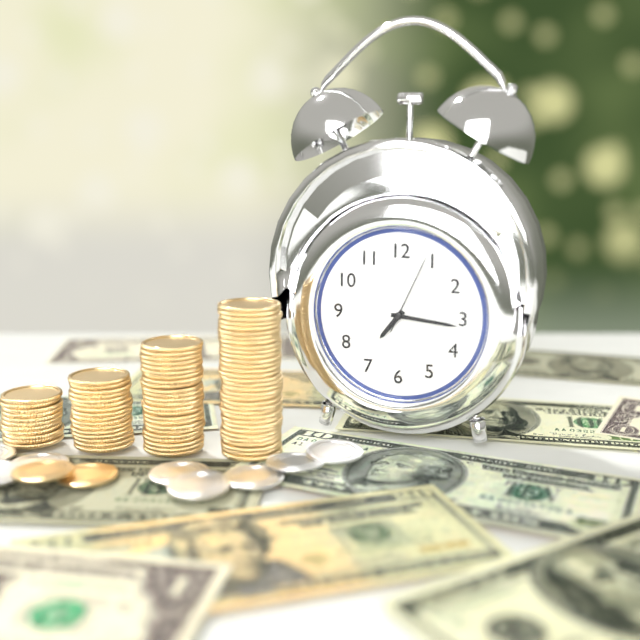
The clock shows 7 h 16 min 04 s
